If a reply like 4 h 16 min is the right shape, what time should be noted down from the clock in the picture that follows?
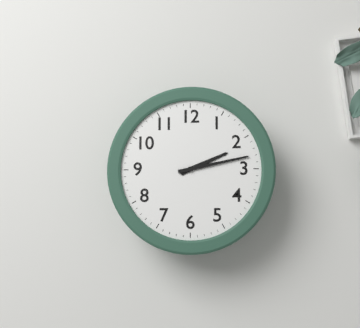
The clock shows 2 h 13 min
